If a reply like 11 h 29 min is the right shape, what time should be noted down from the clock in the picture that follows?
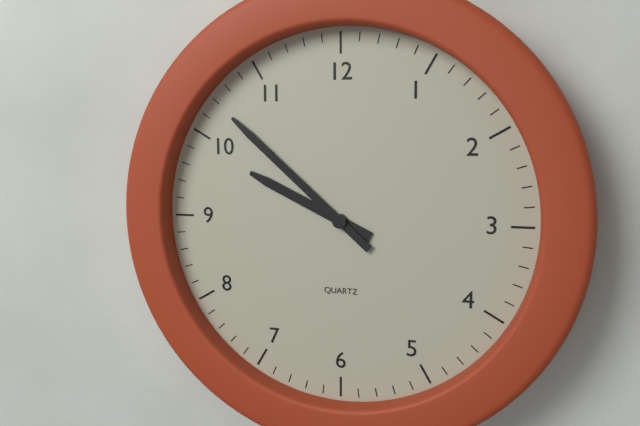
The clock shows 9 h 52 min
